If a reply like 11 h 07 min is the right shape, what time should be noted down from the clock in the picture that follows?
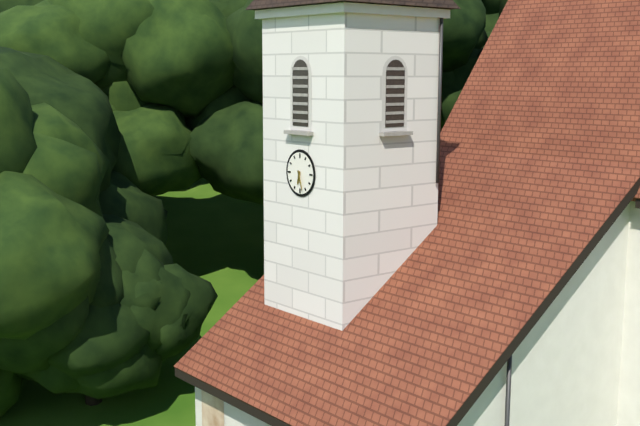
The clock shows 6 h 27 min
